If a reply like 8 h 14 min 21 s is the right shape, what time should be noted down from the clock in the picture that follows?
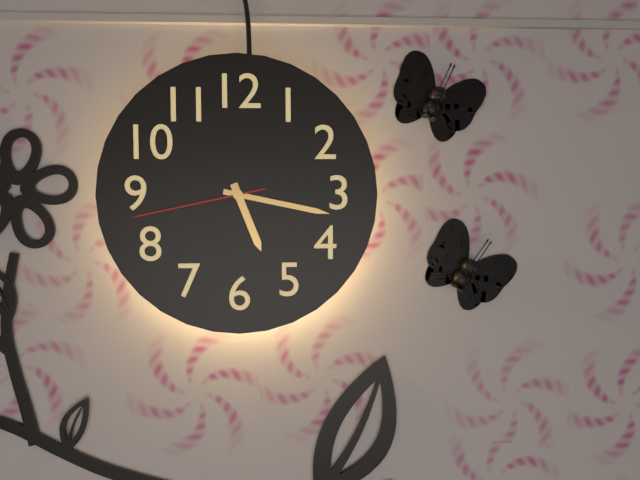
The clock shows 5 h 17 min 43 s
